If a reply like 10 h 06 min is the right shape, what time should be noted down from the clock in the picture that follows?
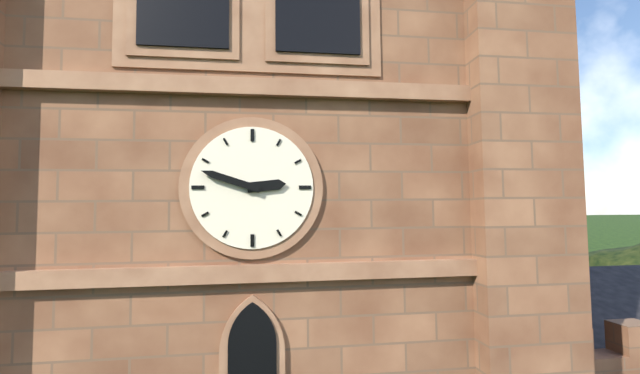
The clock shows 2 h 48 min
